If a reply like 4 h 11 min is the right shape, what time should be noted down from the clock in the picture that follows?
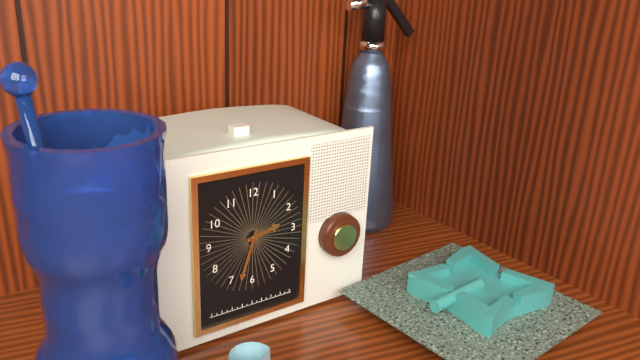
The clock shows 2 h 33 min
